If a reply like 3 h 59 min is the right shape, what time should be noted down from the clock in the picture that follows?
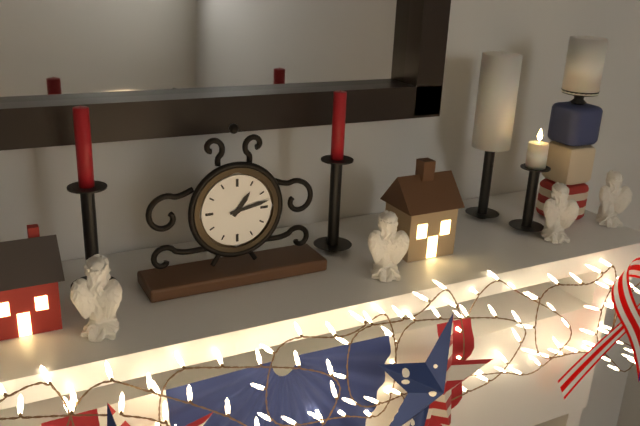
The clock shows 1 h 13 min
